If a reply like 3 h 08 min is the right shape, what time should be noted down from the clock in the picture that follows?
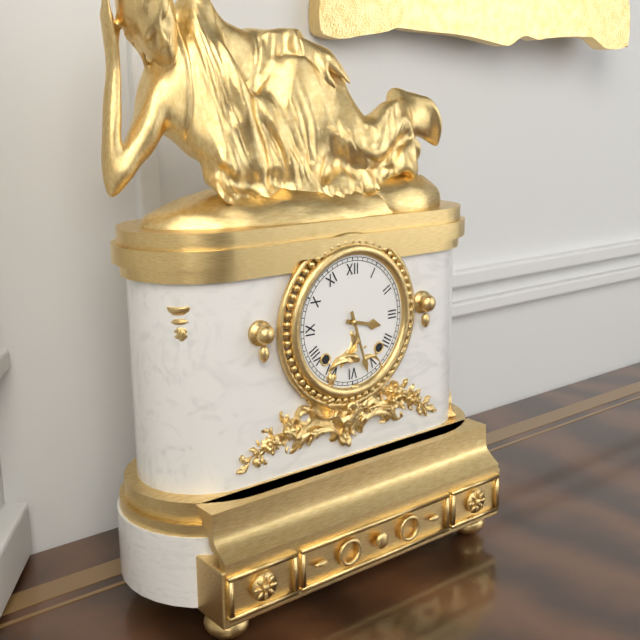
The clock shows 3 h 27 min
